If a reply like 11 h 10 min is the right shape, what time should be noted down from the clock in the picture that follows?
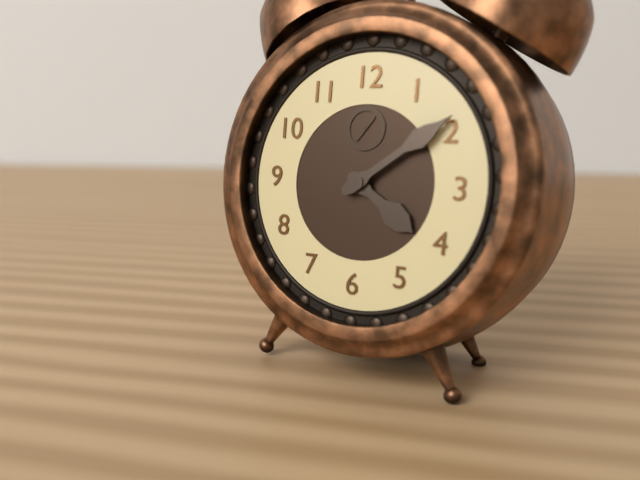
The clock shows 4 h 09 min
